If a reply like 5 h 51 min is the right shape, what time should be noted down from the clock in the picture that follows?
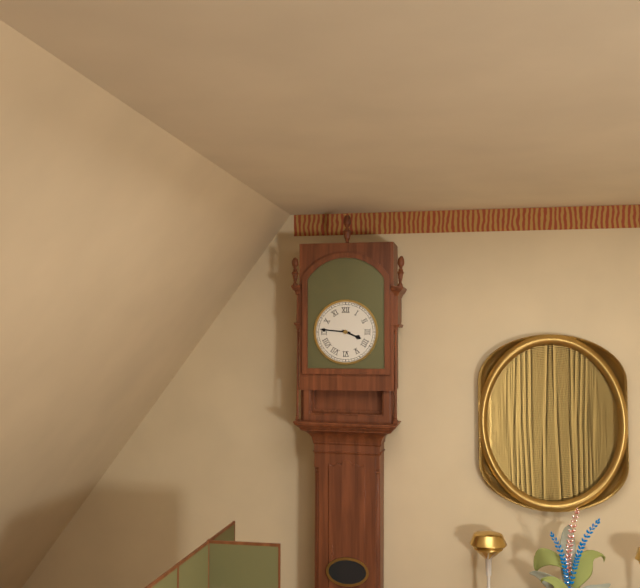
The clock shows 3 h 46 min
